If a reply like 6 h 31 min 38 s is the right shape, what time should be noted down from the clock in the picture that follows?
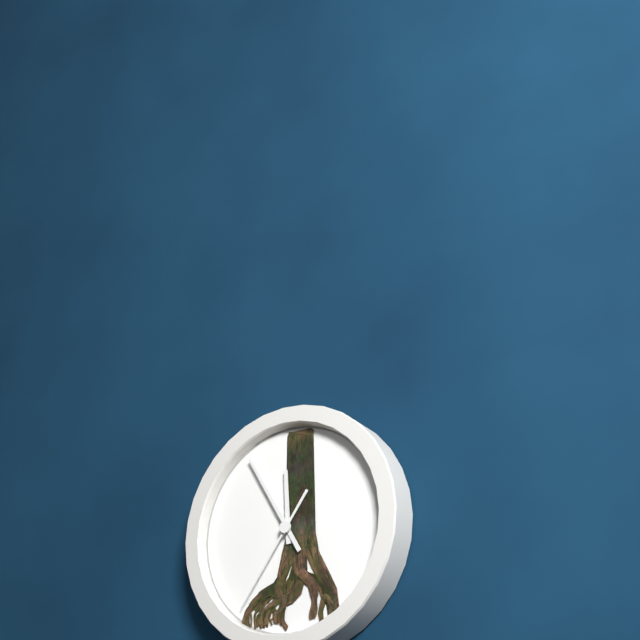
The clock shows 11 h 55 min 36 s
